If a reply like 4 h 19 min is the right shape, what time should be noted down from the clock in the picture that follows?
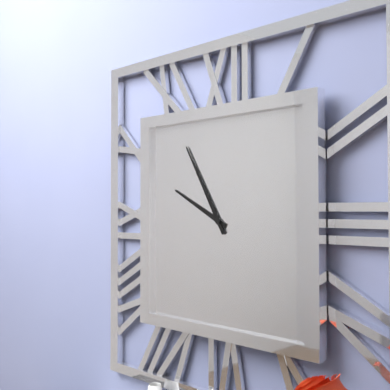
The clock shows 9 h 55 min
